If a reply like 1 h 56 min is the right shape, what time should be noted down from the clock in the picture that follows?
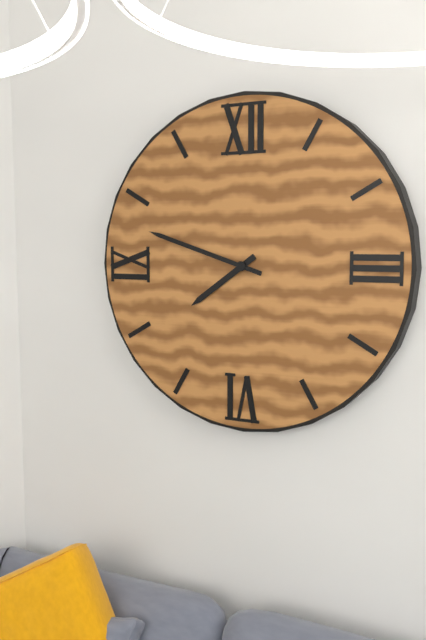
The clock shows 7 h 48 min
